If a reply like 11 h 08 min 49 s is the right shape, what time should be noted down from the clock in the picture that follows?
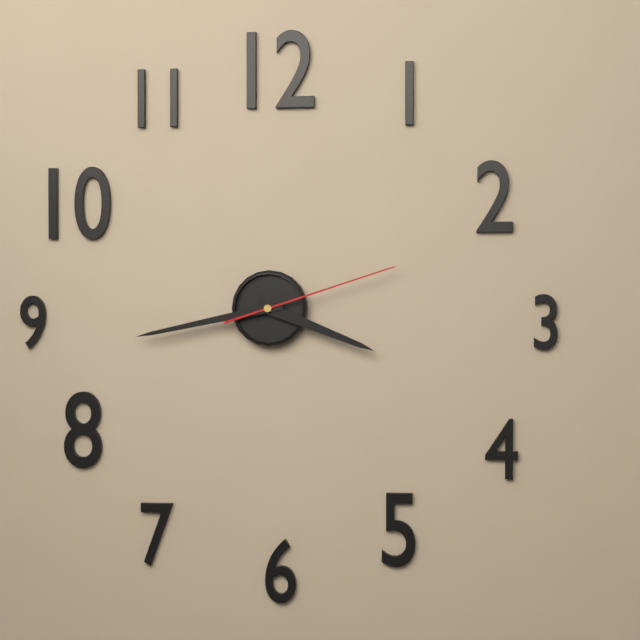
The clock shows 3 h 43 min 12 s
